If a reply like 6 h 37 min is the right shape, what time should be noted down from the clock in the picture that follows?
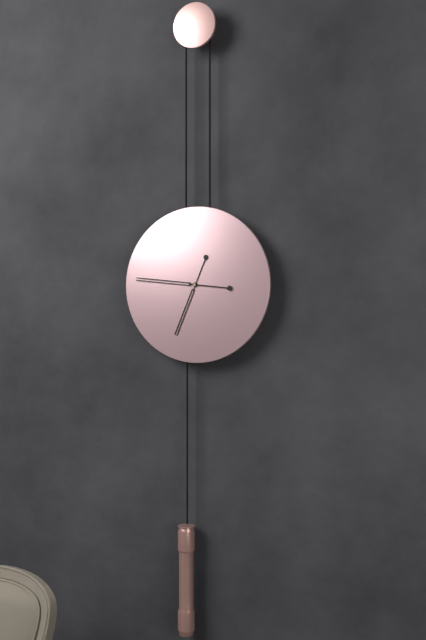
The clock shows 6 h 46 min
